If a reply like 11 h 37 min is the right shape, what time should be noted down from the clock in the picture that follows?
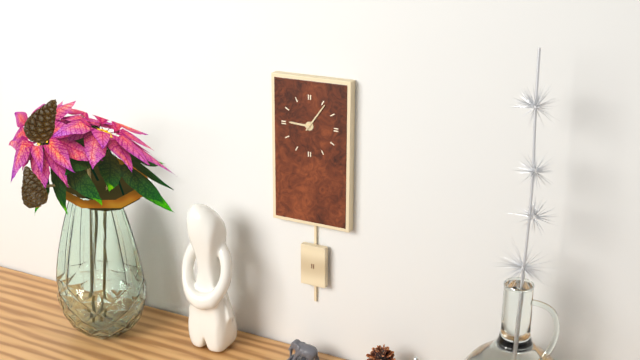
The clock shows 9 h 06 min
